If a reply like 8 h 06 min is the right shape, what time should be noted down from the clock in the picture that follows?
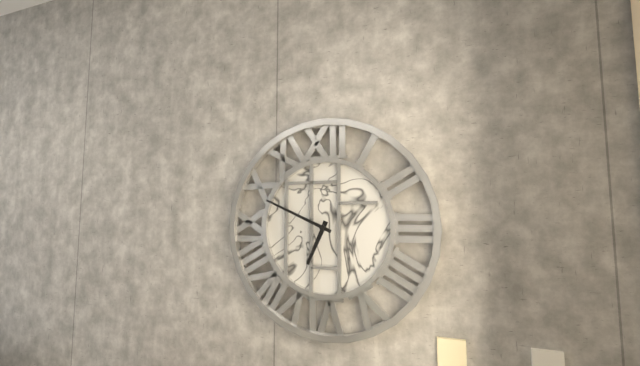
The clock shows 6 h 49 min
